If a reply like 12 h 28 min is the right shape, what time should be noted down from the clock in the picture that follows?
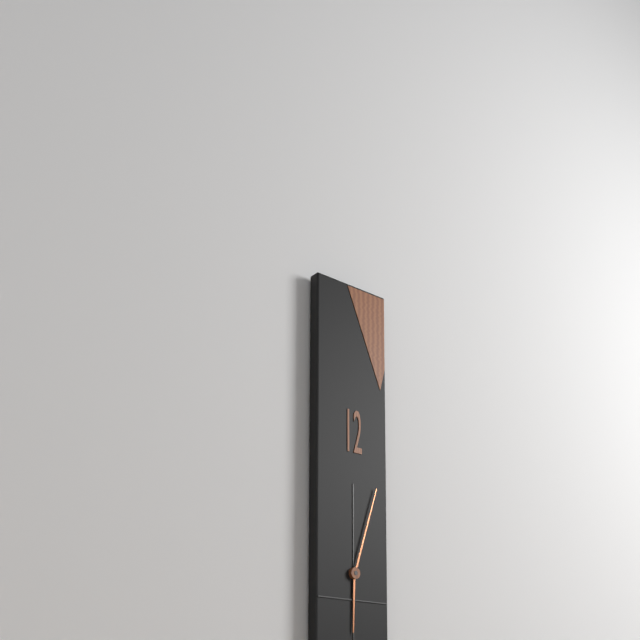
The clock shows 6 h 03 min
